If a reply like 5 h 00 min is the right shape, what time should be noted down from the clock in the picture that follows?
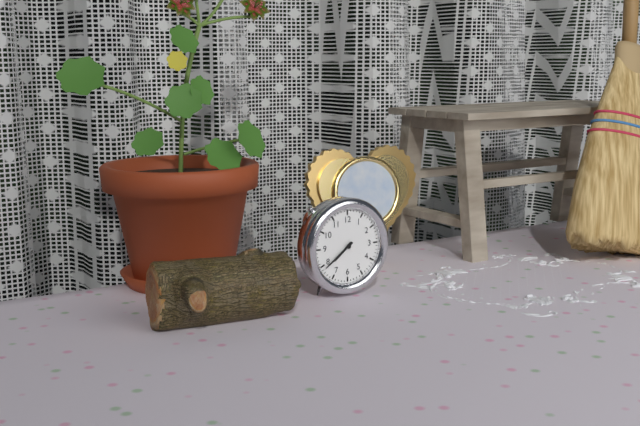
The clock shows 7 h 39 min
